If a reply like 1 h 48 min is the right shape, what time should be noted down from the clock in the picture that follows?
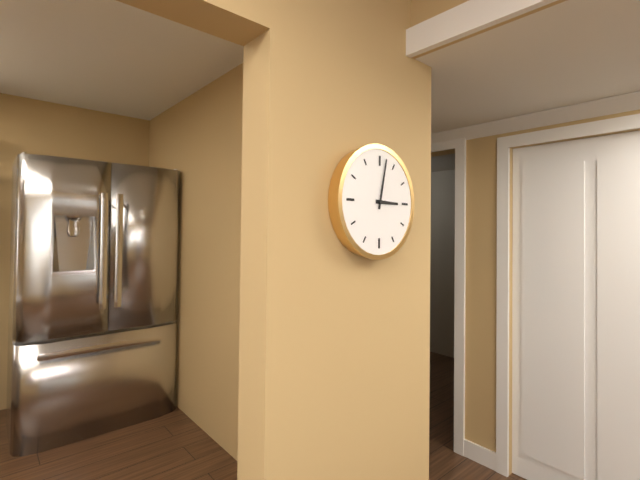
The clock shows 3 h 02 min
